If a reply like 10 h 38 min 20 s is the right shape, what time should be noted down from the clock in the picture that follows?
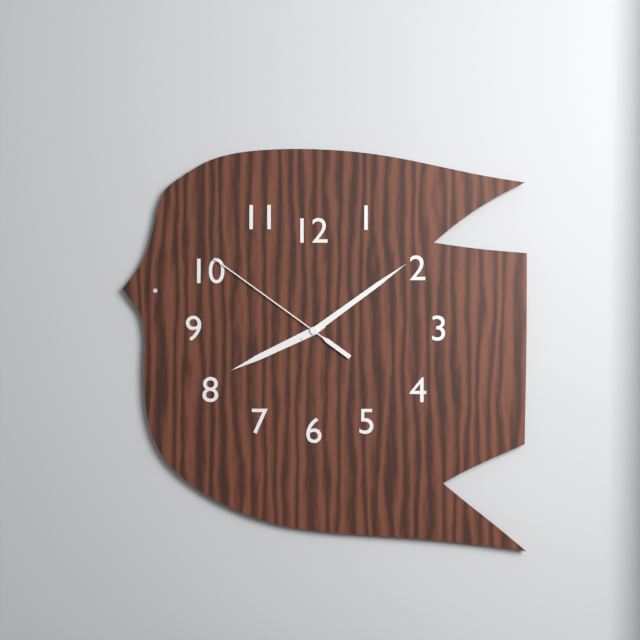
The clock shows 8 h 09 min 51 s
